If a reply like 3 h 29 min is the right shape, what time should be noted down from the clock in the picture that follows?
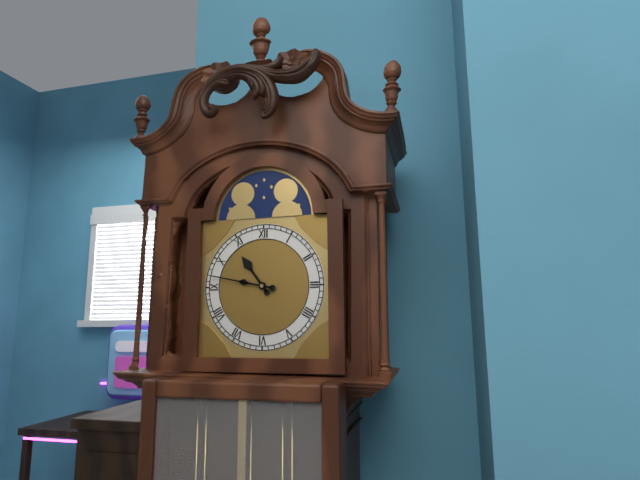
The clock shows 10 h 47 min
